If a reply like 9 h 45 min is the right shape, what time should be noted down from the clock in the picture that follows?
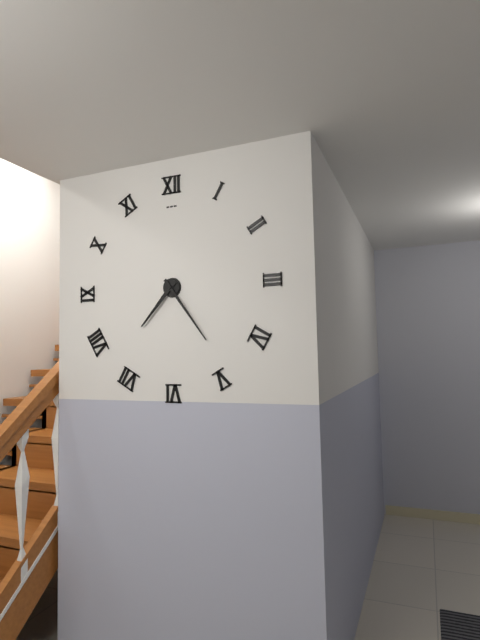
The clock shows 7 h 24 min
